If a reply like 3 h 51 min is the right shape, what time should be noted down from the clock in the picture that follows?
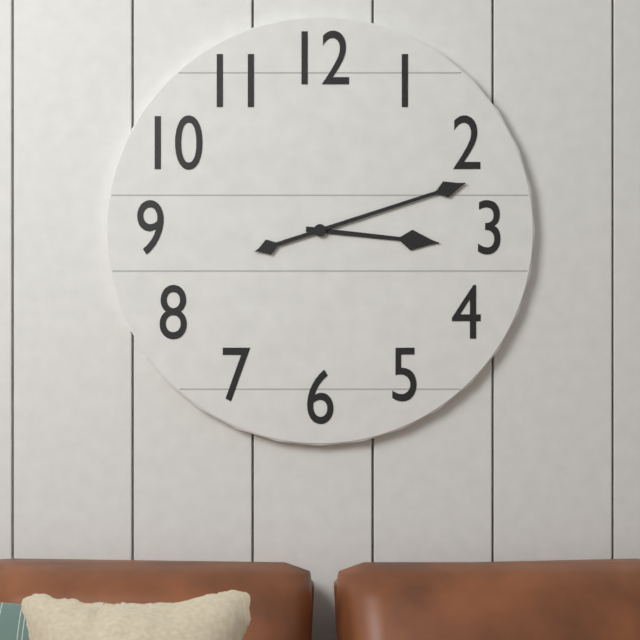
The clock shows 3 h 12 min
